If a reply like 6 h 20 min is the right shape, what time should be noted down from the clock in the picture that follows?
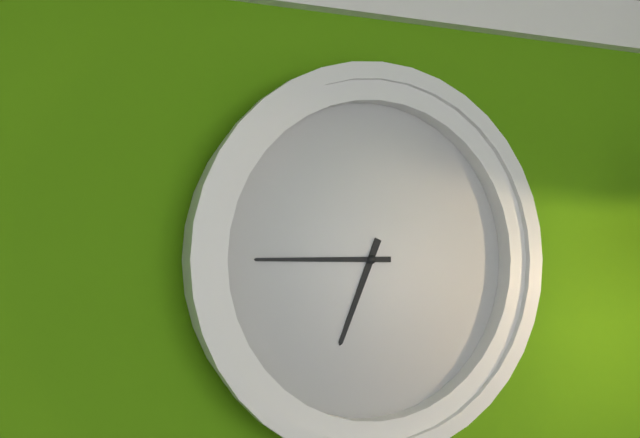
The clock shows 6 h 45 min
